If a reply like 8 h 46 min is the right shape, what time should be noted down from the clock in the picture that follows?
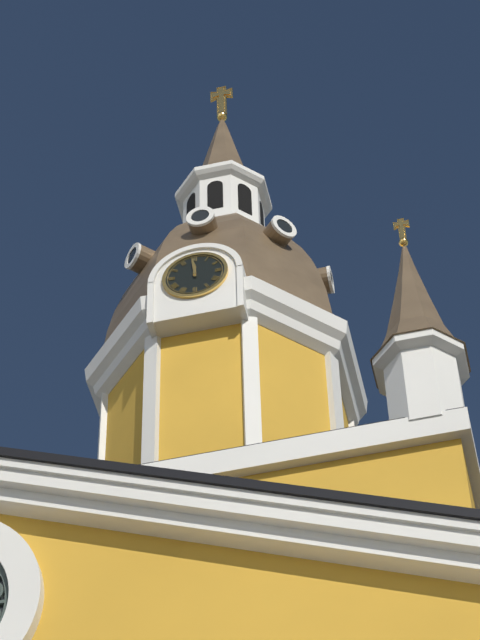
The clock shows 11 h 59 min
